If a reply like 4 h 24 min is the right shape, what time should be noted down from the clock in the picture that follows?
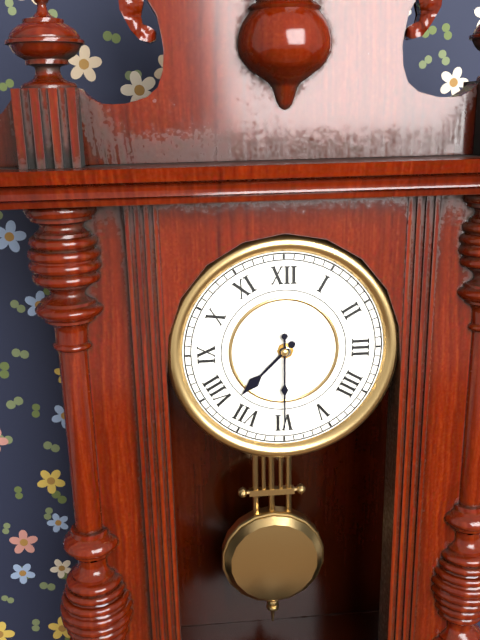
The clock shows 7 h 30 min
